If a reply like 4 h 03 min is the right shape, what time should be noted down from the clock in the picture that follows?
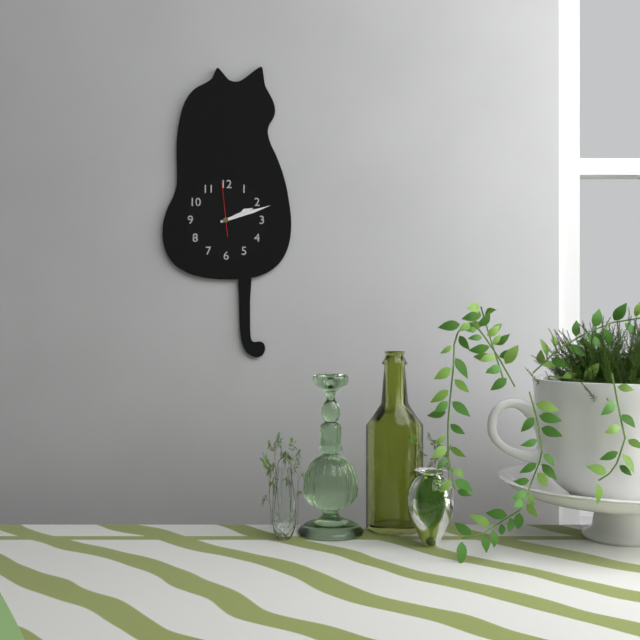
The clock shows 2 h 12 min
